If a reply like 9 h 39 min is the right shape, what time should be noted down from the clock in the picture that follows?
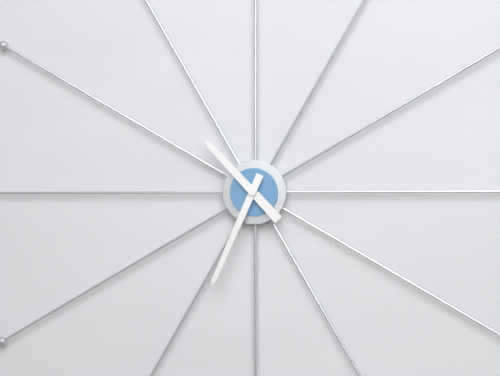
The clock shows 10 h 34 min
